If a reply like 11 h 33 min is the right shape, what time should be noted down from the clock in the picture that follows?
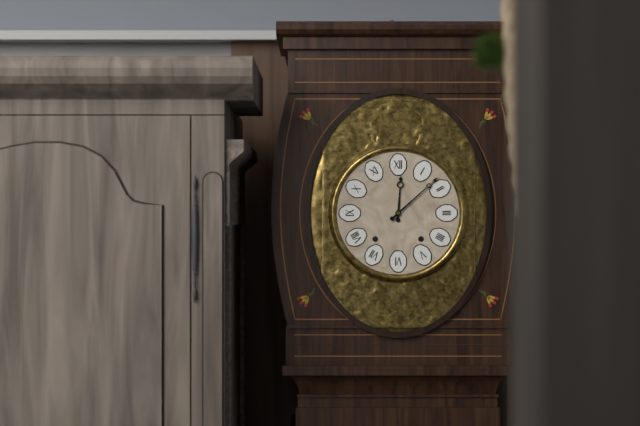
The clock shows 12 h 08 min
